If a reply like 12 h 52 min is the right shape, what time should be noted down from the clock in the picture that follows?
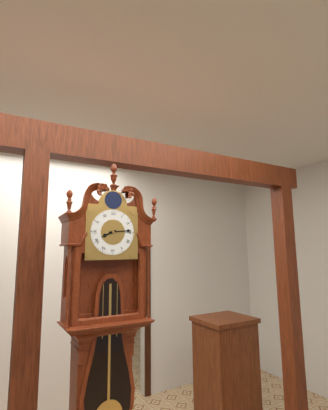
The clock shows 8 h 14 min
